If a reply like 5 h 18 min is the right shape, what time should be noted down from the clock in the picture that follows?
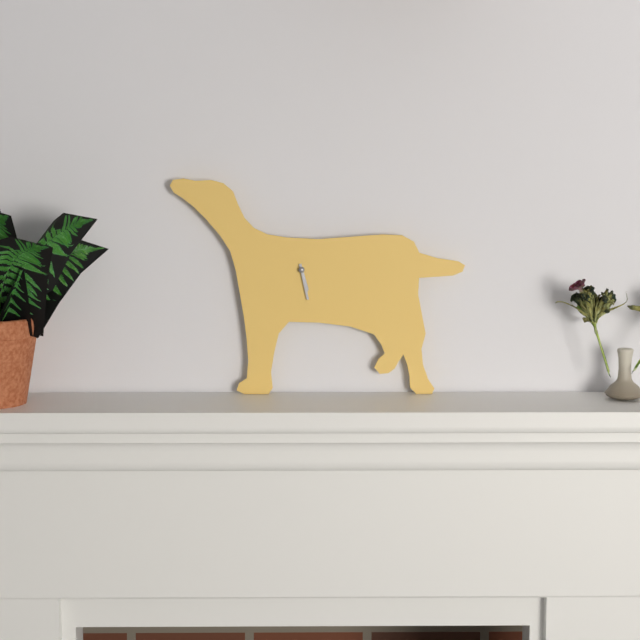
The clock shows 5 h 28 min
